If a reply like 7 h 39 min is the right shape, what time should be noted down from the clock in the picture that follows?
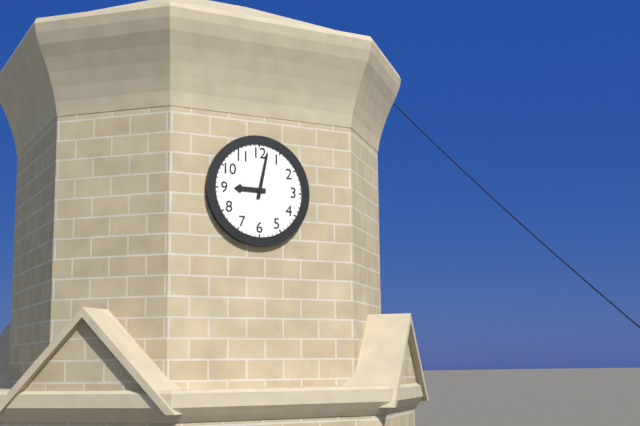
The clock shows 9 h 02 min
